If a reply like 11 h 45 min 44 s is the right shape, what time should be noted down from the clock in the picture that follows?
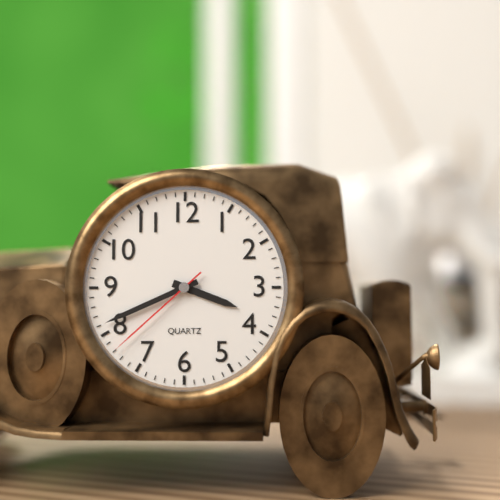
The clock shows 3 h 41 min 38 s
